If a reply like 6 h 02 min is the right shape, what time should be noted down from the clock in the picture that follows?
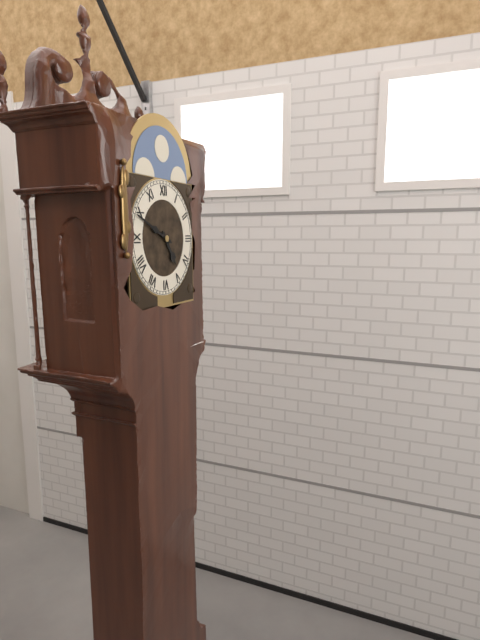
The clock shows 4 h 49 min
